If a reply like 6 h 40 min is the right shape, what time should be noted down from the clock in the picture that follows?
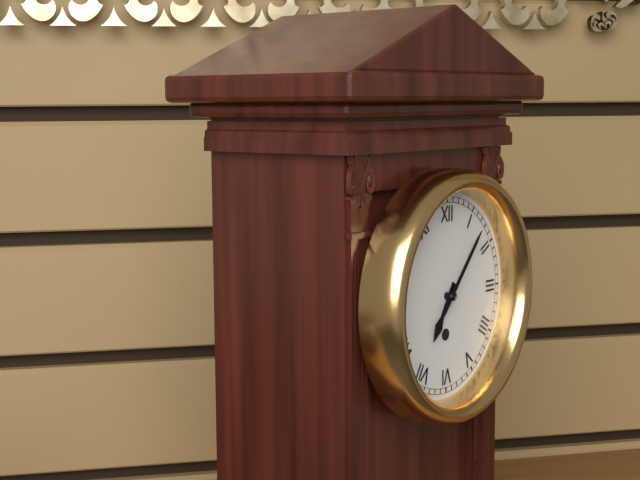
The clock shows 7 h 07 min
